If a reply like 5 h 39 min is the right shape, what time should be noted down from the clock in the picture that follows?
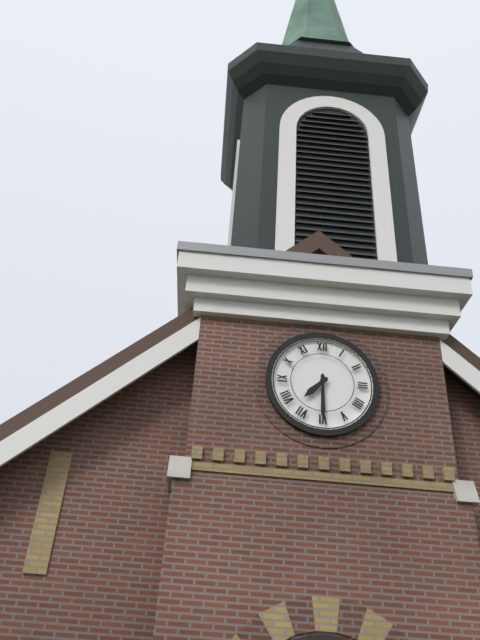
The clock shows 7 h 30 min
